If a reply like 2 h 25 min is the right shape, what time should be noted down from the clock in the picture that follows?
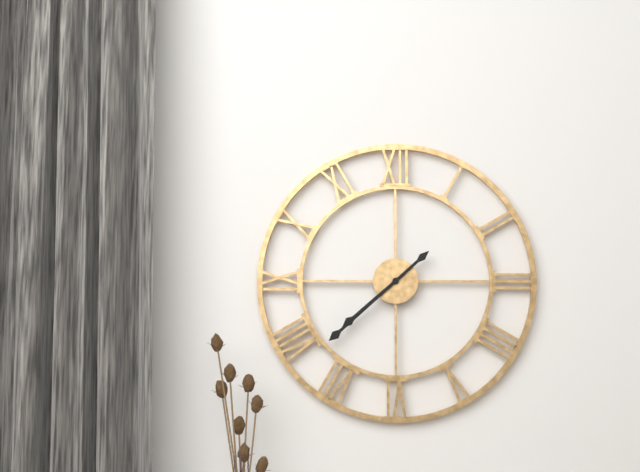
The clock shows 7 h 38 min
